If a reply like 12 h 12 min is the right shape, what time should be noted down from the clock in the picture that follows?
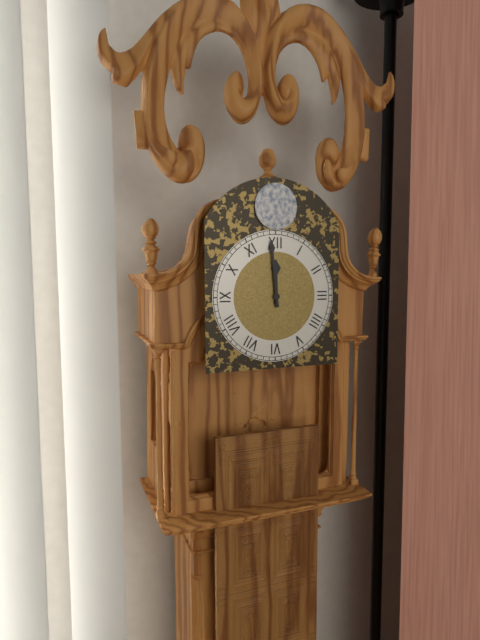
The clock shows 11 h 59 min
